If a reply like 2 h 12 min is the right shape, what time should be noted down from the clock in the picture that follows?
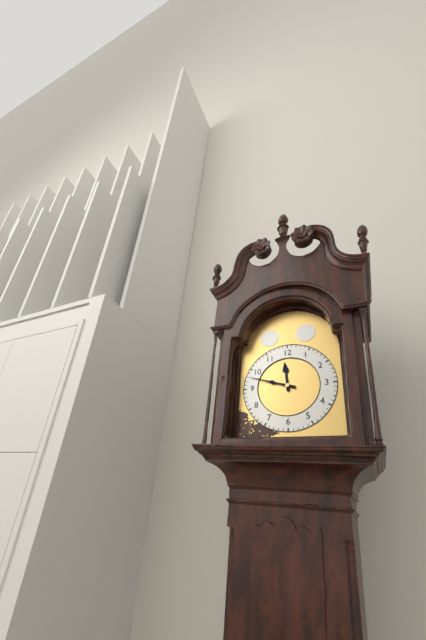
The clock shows 11 h 48 min
